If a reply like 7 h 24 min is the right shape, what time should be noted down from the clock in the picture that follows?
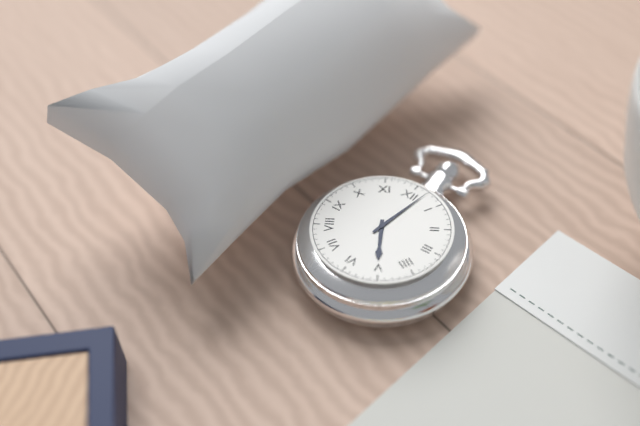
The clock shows 5 h 02 min
